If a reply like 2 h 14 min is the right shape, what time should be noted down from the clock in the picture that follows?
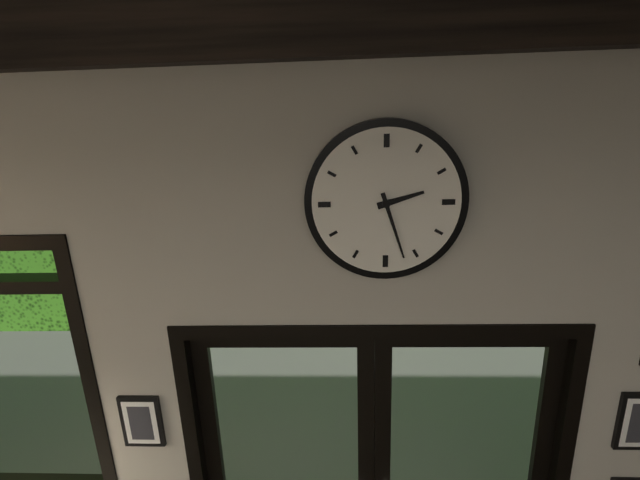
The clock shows 2 h 27 min
